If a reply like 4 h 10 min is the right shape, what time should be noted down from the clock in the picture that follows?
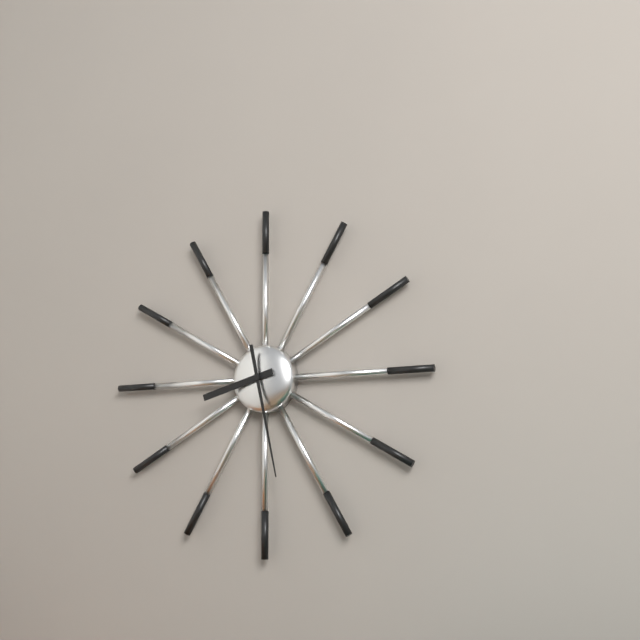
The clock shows 8 h 28 min
